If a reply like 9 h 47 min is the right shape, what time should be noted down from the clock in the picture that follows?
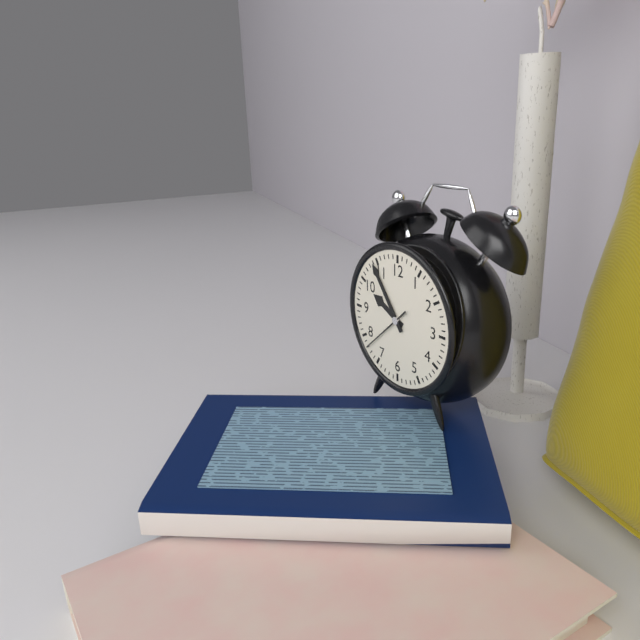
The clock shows 9 h 54 min
